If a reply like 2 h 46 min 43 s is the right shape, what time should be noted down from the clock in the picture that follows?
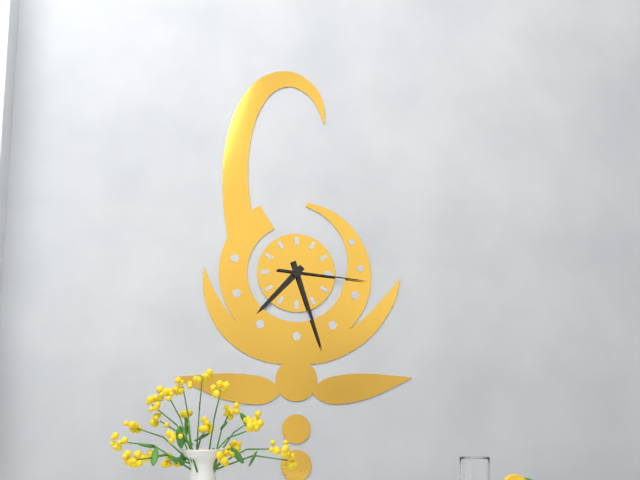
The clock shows 7 h 27 min 16 s
